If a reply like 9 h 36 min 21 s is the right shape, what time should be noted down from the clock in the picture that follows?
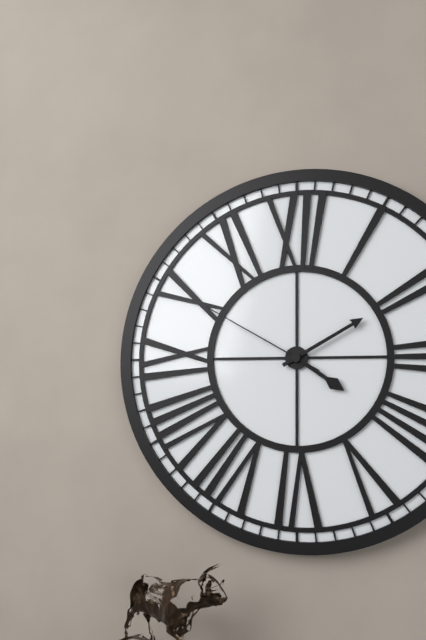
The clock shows 4 h 10 min 50 s
